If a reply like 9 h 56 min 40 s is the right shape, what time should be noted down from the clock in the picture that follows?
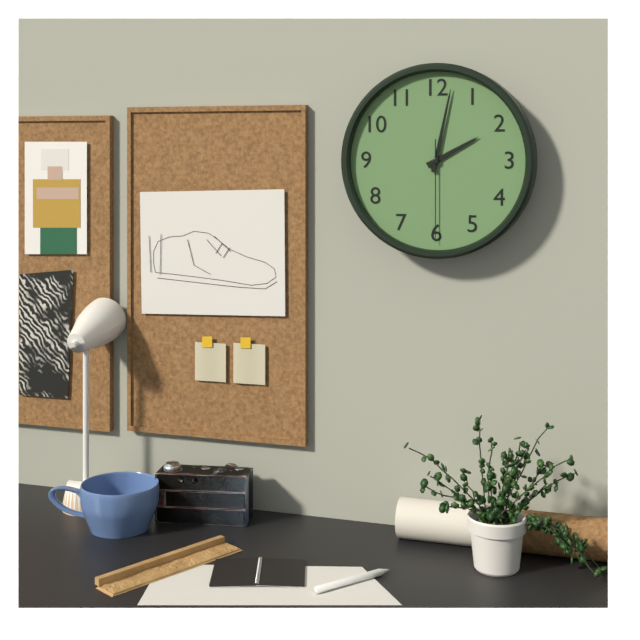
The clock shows 2 h 02 min 30 s
